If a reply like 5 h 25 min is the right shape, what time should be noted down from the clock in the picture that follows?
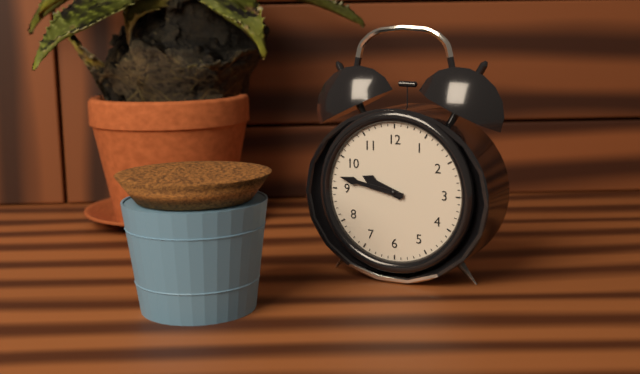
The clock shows 9 h 47 min
